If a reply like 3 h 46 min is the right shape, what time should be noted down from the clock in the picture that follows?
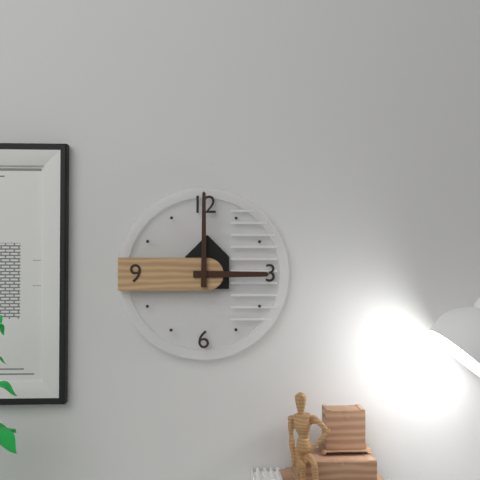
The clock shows 3 h 00 min
